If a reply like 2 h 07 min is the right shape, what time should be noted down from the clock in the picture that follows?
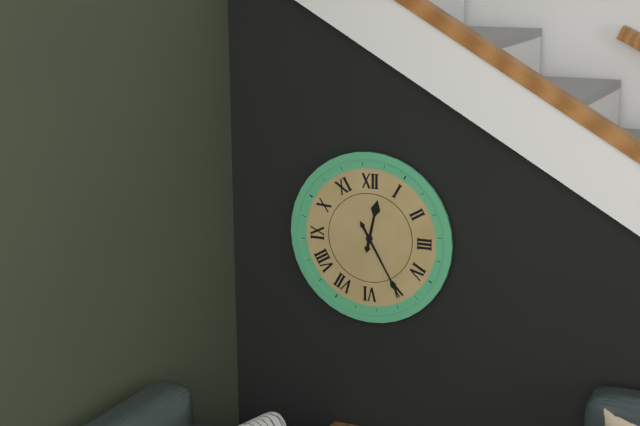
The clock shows 12 h 25 min
